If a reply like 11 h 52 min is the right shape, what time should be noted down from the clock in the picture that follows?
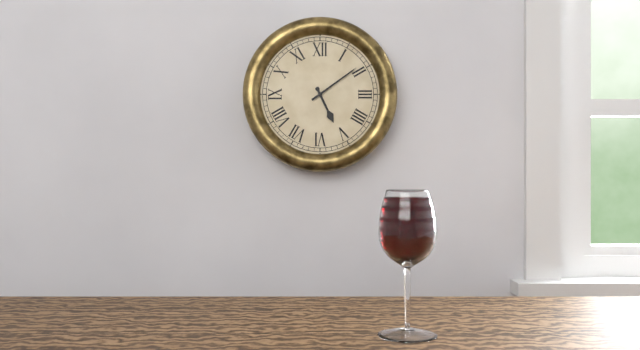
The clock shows 5 h 09 min
